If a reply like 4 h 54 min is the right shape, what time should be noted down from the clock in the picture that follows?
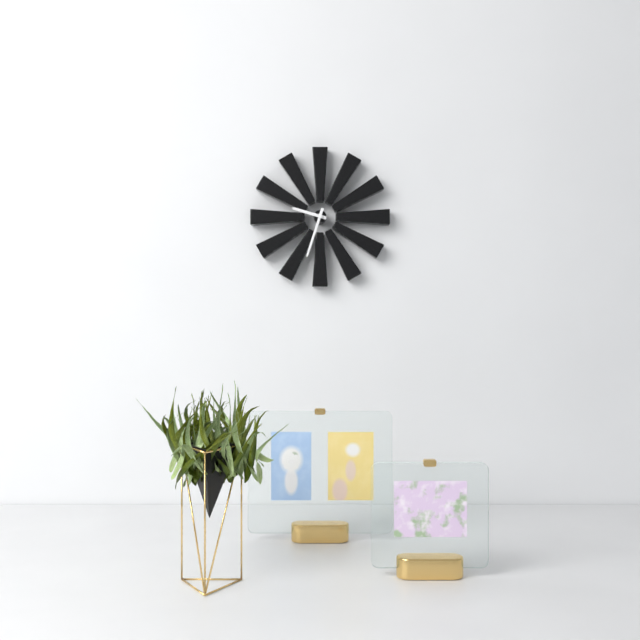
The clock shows 9 h 33 min
